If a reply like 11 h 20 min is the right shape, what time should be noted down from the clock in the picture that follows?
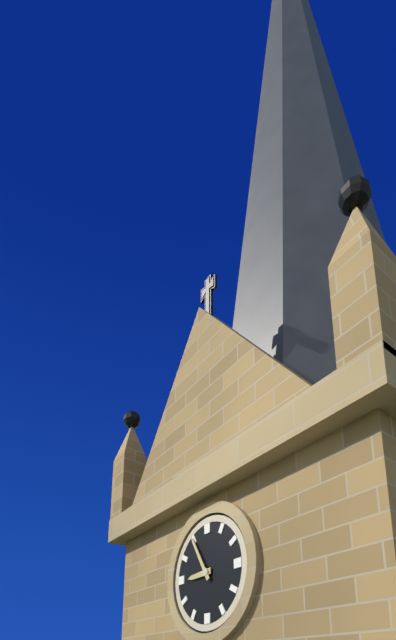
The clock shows 8 h 55 min
